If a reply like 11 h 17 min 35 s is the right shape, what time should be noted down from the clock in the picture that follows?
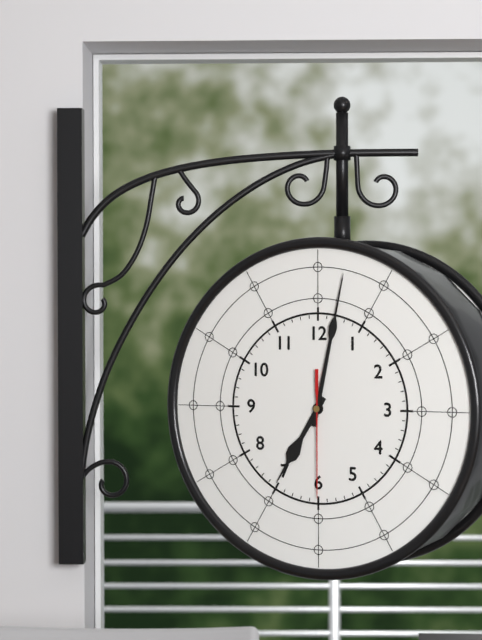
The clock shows 7 h 02 min 30 s
